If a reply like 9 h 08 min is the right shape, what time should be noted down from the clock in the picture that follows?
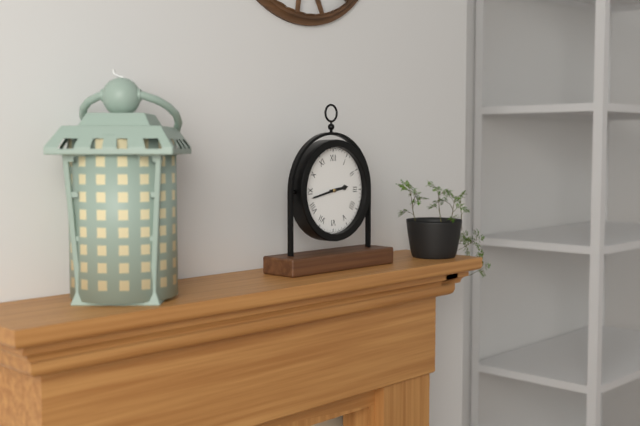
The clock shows 2 h 43 min
